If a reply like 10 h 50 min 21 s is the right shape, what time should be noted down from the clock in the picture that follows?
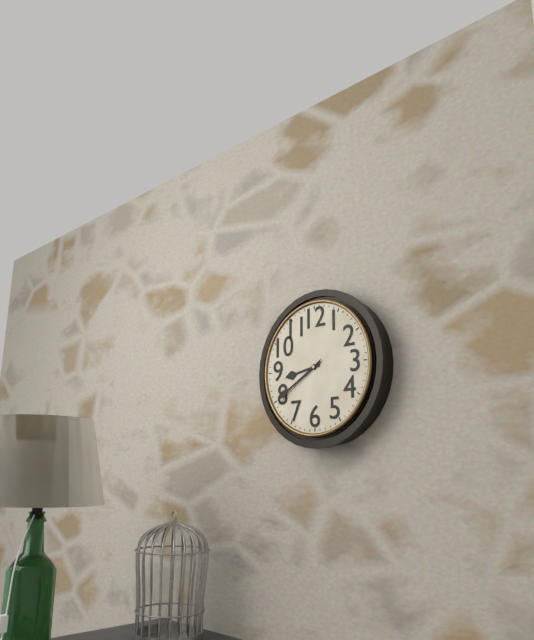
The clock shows 8 h 40 min 39 s
